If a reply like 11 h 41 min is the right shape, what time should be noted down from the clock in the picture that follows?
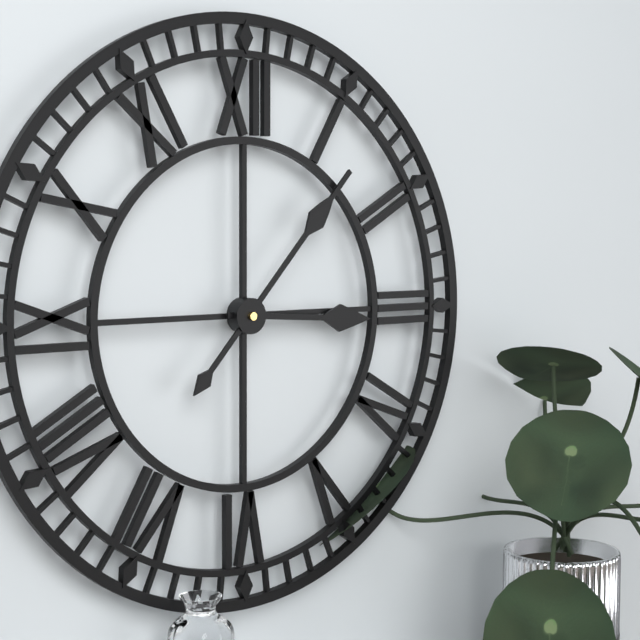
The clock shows 3 h 07 min
